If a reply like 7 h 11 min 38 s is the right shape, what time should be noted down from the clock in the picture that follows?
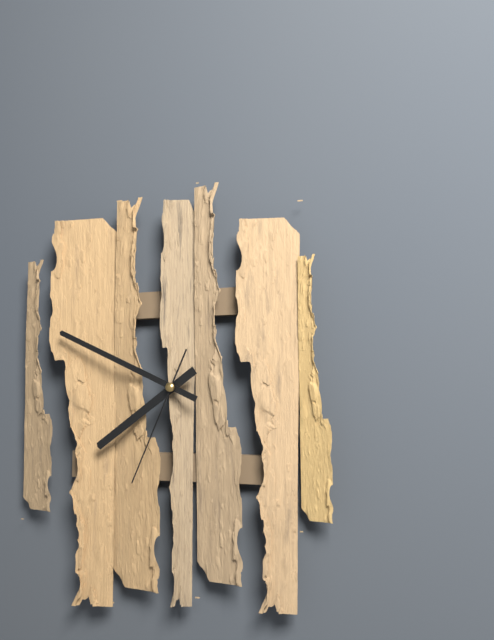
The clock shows 7 h 49 min 34 s
